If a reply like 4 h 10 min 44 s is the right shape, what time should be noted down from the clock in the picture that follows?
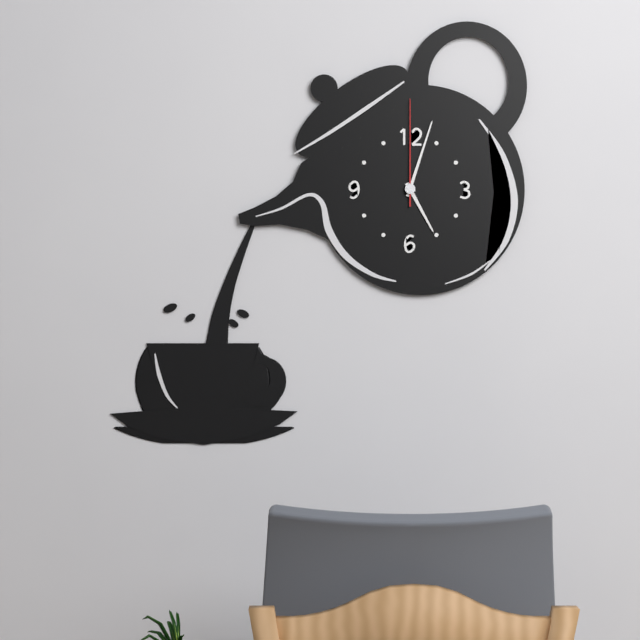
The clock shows 5 h 03 min 00 s
